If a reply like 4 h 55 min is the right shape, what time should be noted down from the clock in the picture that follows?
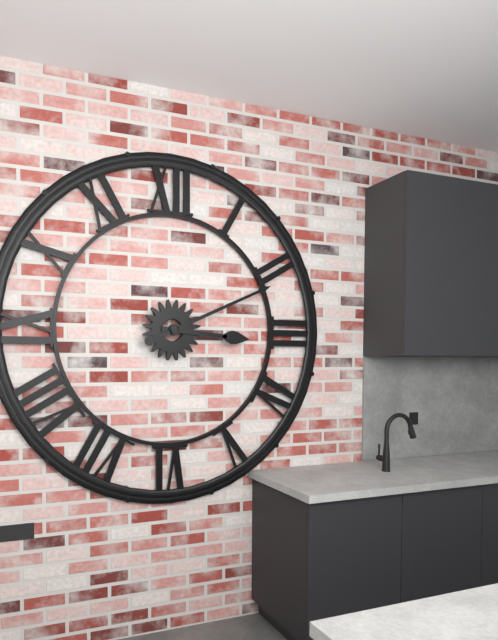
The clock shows 3 h 11 min
